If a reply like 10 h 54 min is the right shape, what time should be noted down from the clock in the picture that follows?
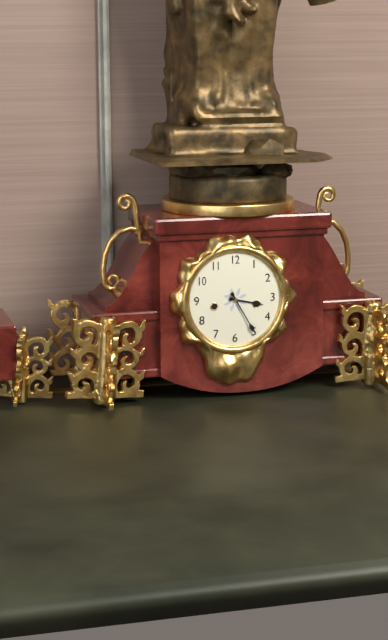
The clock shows 3 h 25 min
